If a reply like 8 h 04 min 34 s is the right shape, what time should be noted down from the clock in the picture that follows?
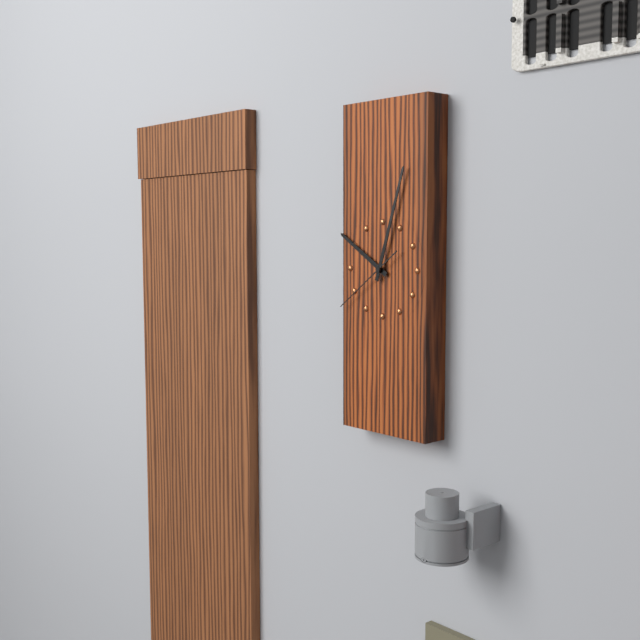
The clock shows 10 h 03 min 39 s
